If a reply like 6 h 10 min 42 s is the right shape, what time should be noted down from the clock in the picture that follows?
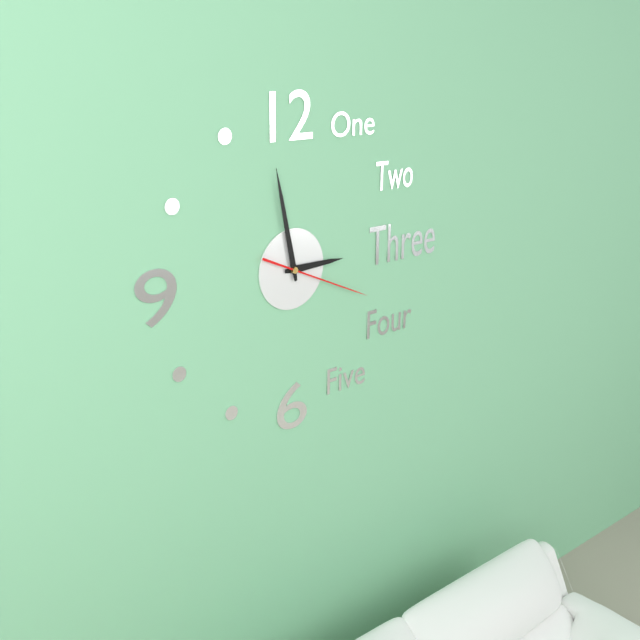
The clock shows 2 h 58 min 19 s
